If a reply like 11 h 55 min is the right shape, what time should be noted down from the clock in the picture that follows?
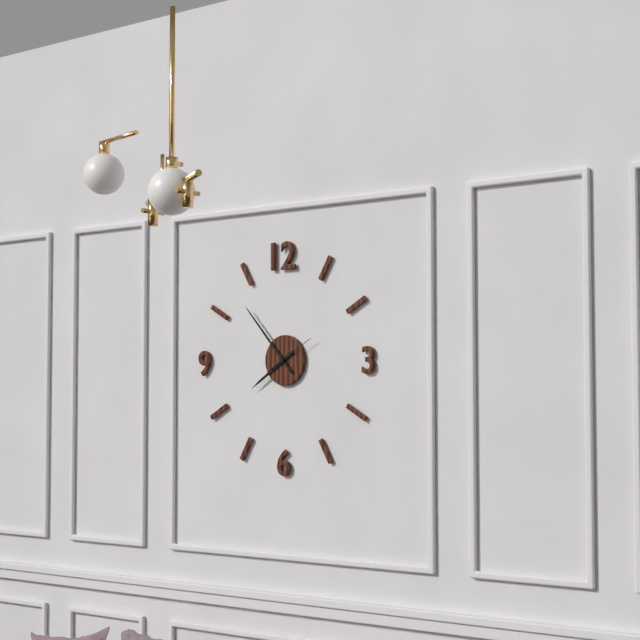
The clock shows 7 h 53 min
